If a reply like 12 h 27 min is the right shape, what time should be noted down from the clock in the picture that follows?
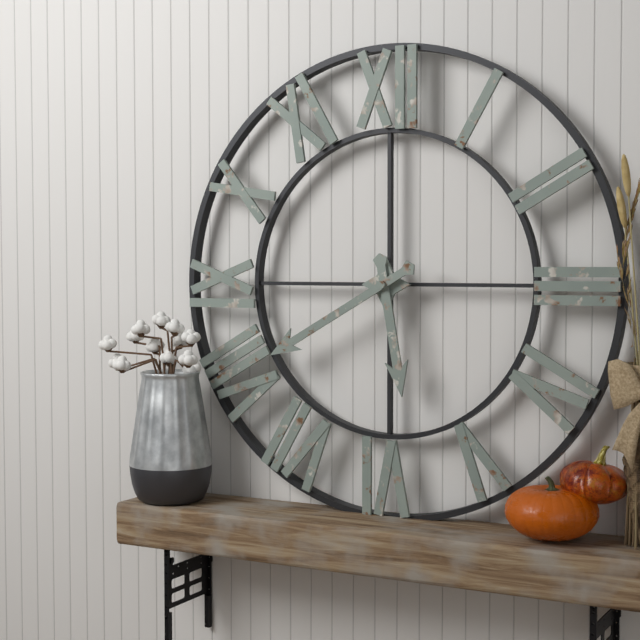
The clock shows 5 h 40 min
